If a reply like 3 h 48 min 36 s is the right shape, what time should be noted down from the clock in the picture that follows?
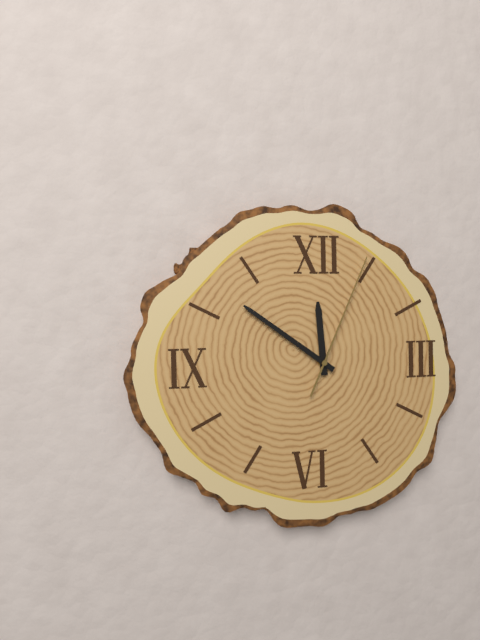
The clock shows 11 h 51 min 04 s
